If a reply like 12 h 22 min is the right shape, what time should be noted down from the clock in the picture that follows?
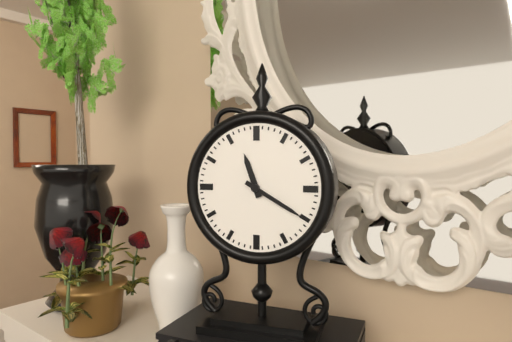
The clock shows 11 h 20 min
